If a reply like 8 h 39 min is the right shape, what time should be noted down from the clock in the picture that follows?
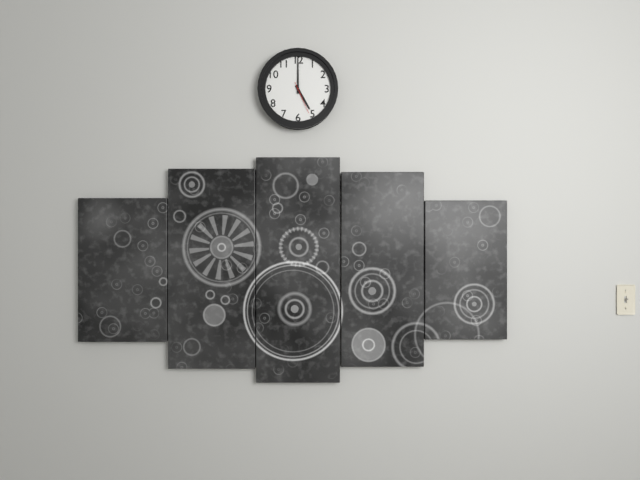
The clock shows 5 h 00 min
